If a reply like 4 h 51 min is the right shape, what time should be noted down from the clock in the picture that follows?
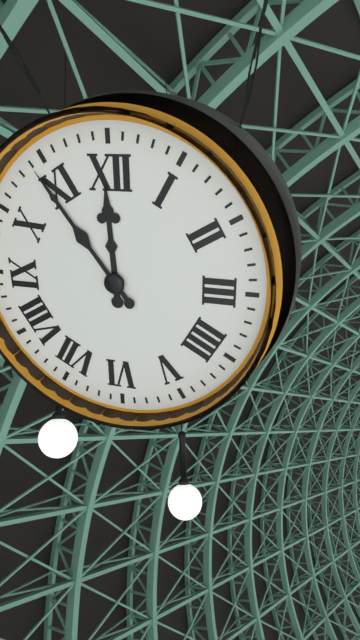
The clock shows 11 h 54 min
